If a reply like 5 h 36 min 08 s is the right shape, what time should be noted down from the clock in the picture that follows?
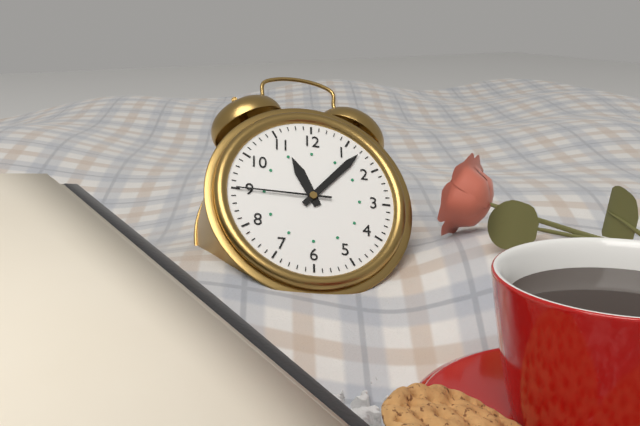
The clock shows 11 h 07 min 45 s
